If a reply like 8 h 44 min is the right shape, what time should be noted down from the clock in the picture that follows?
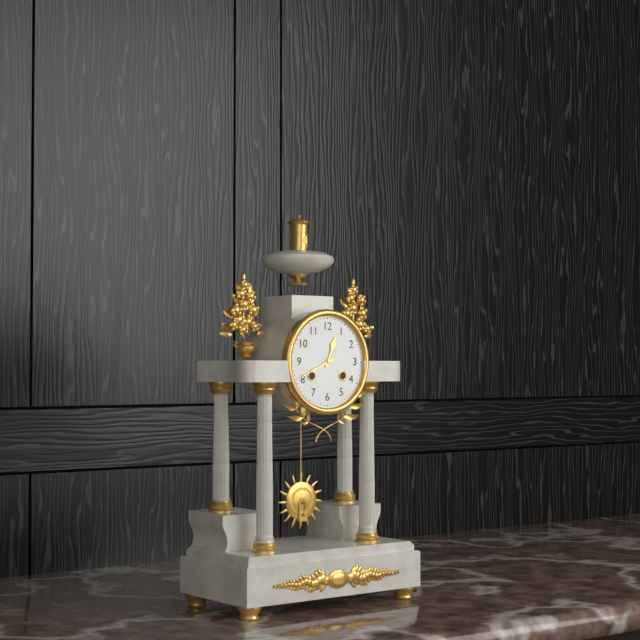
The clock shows 12 h 41 min
